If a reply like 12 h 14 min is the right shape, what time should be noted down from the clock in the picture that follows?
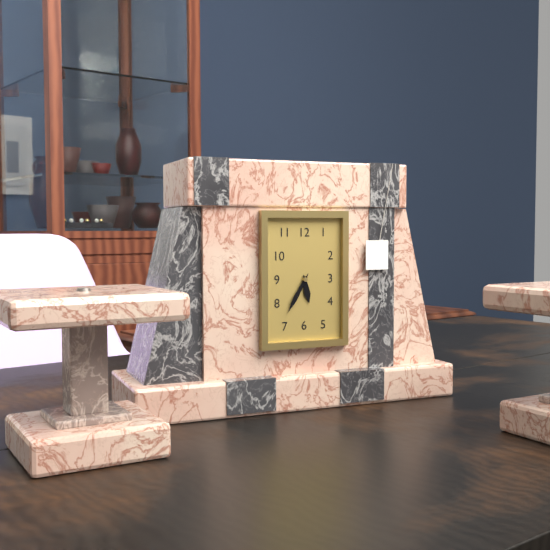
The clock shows 5 h 35 min
